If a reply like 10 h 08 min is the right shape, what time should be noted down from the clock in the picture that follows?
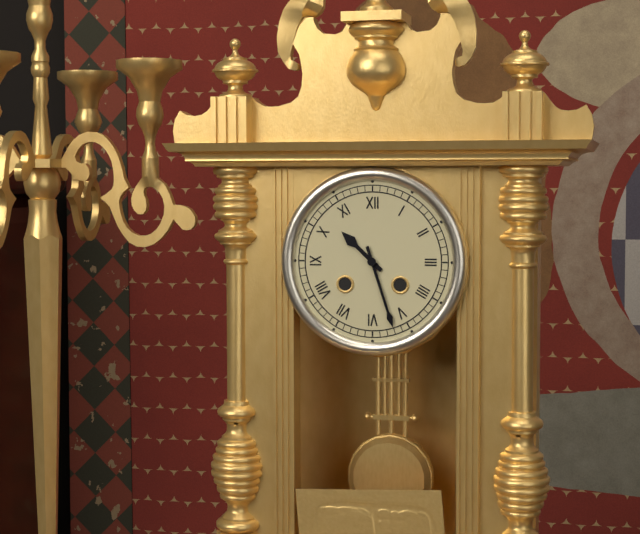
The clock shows 10 h 27 min
